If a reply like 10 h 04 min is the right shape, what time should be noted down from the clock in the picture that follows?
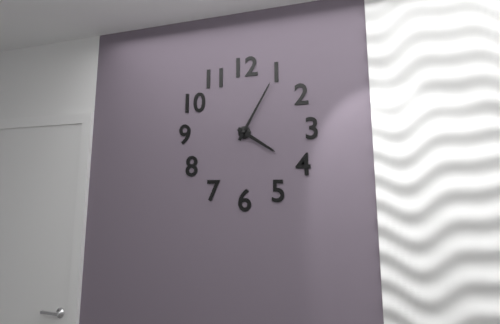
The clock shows 4 h 05 min
